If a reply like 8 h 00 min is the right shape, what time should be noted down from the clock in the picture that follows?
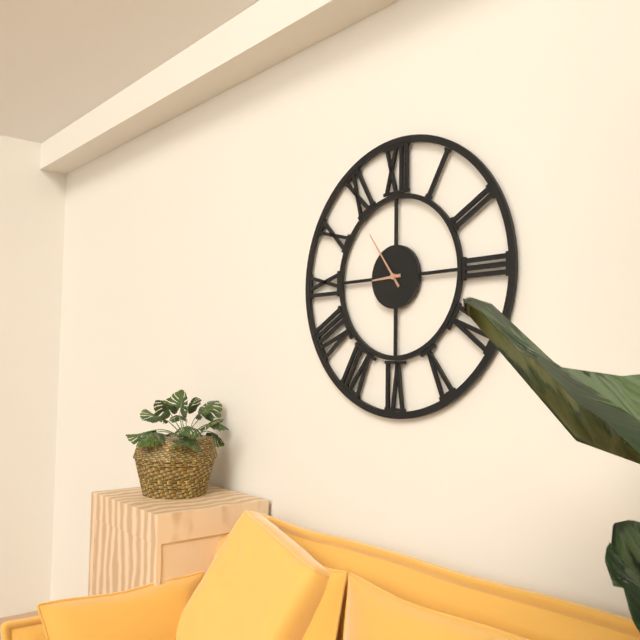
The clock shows 8 h 54 min
